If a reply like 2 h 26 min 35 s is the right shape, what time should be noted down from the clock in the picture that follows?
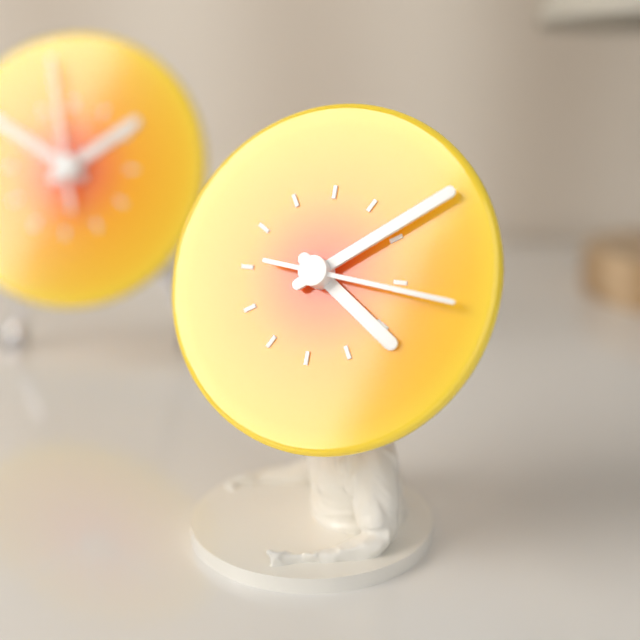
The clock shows 4 h 09 min 16 s
